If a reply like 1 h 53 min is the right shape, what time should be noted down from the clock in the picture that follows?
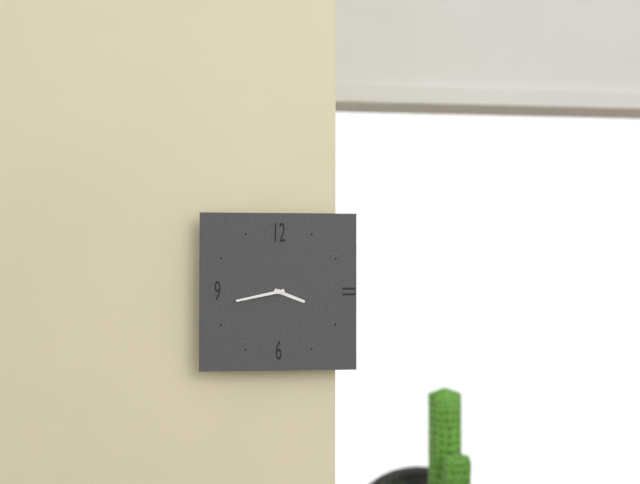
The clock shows 3 h 43 min
